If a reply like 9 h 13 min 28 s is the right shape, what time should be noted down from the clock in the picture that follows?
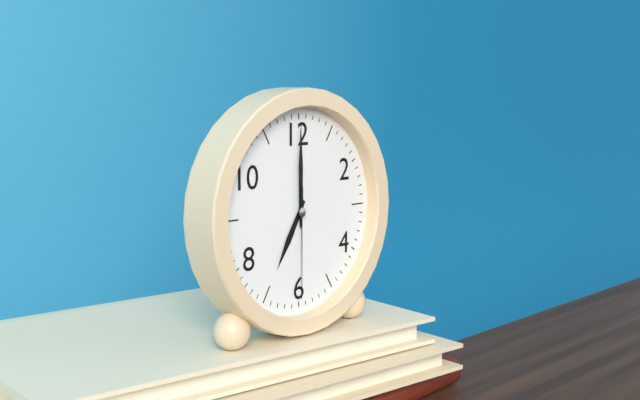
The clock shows 7 h 00 min 30 s
